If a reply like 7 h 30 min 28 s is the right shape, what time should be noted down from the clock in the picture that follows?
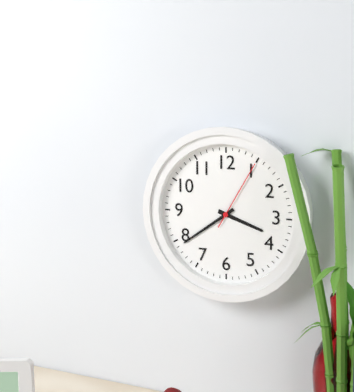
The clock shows 3 h 39 min 05 s
